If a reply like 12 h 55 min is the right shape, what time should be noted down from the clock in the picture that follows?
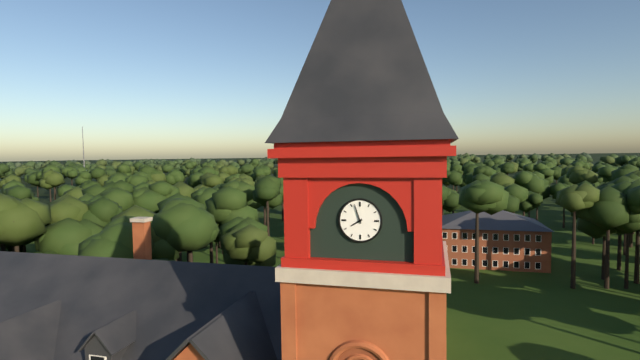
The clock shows 7 h 57 min
